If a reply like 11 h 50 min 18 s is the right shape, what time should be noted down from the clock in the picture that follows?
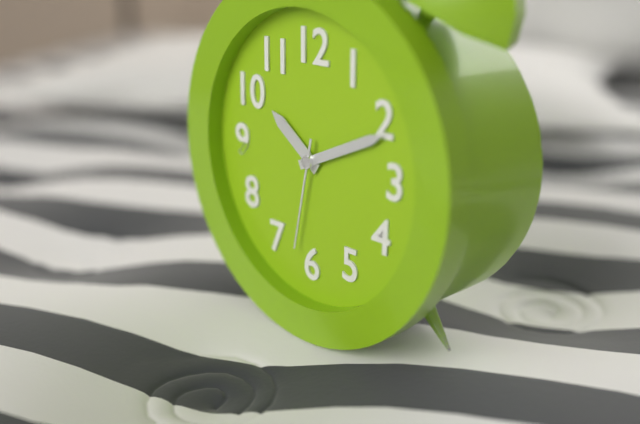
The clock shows 10 h 11 min 32 s
